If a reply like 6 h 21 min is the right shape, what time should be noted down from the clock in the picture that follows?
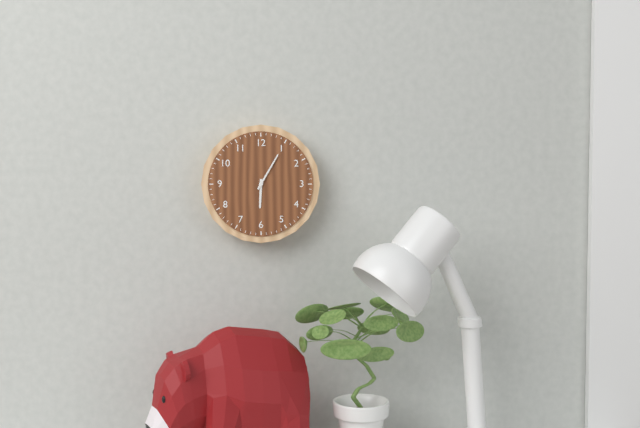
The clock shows 6 h 05 min
